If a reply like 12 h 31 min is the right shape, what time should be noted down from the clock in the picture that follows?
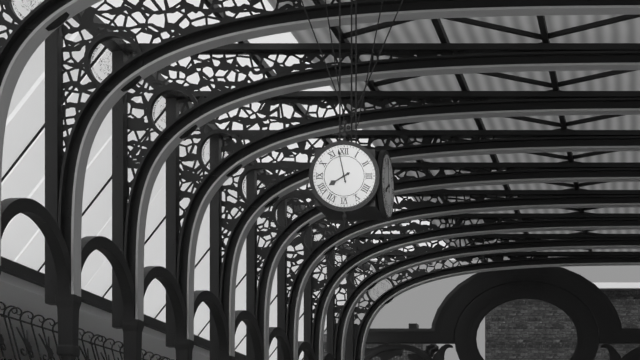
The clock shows 7 h 58 min
